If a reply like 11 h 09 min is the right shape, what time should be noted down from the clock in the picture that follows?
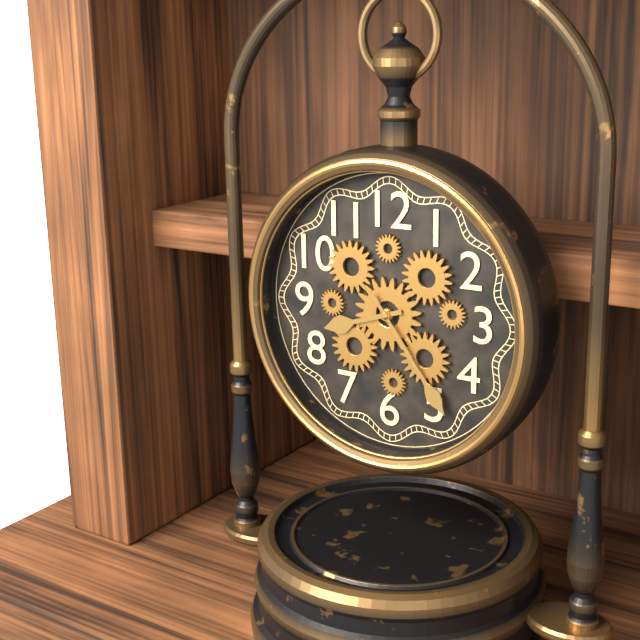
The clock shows 8 h 24 min
